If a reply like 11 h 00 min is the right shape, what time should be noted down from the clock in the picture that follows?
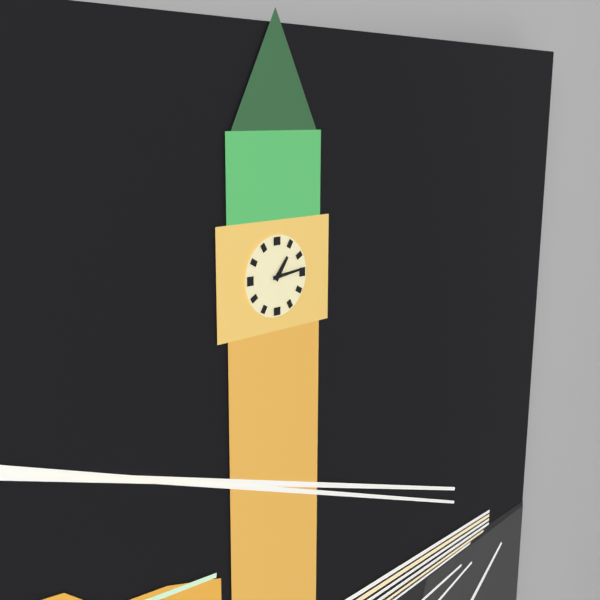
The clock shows 1 h 14 min
